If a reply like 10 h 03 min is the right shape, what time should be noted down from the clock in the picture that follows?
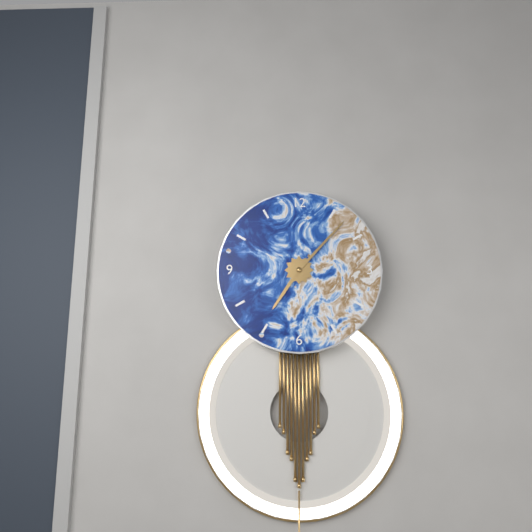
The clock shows 7 h 07 min
